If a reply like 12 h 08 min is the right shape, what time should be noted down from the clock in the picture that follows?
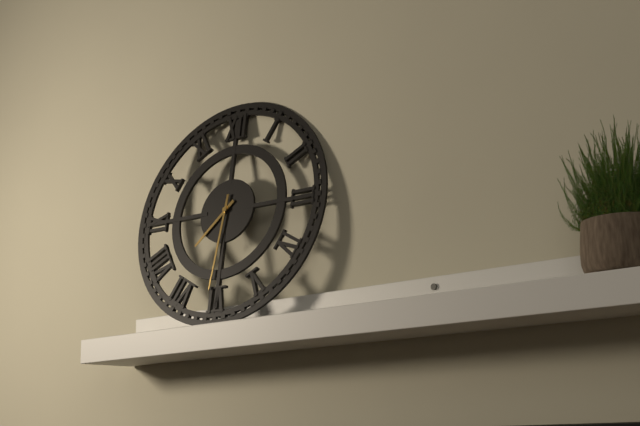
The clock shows 7 h 31 min
